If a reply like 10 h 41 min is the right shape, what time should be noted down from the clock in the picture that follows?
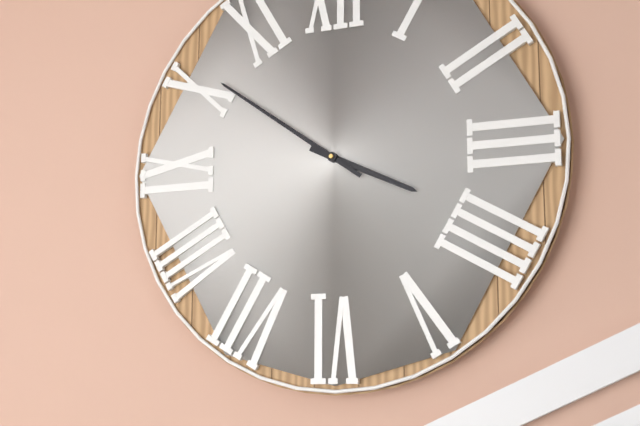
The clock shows 3 h 51 min
